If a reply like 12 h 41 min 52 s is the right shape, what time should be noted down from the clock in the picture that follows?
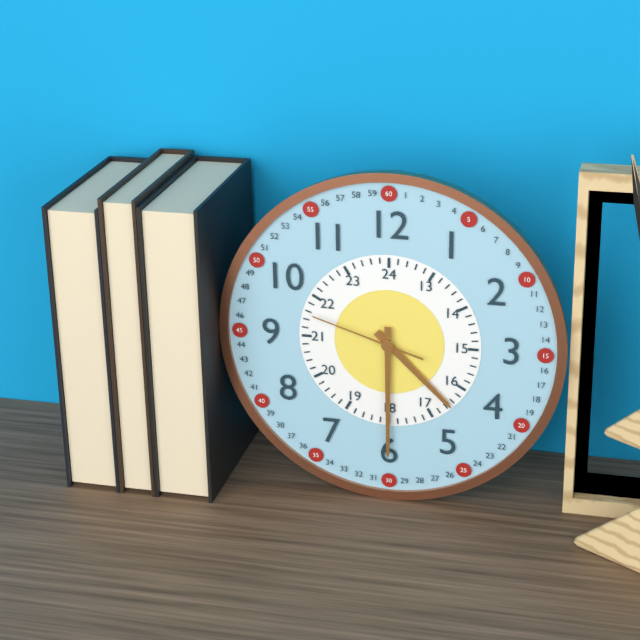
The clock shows 4 h 30 min 48 s
